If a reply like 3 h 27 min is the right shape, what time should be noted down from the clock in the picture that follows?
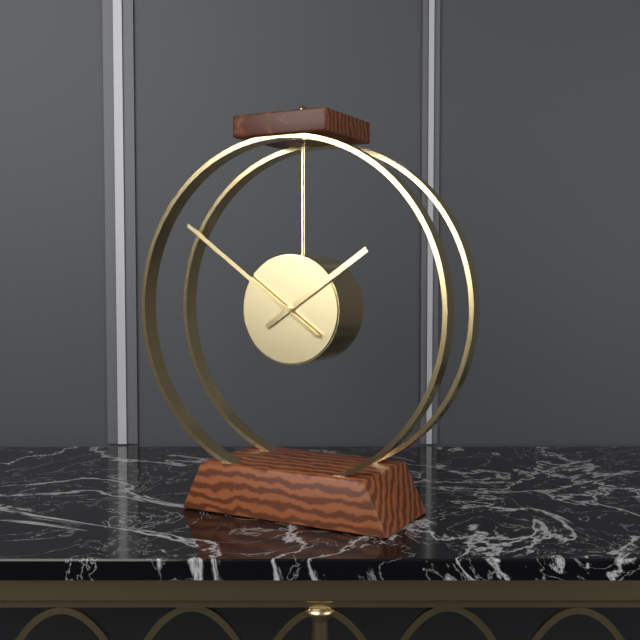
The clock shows 1 h 51 min
